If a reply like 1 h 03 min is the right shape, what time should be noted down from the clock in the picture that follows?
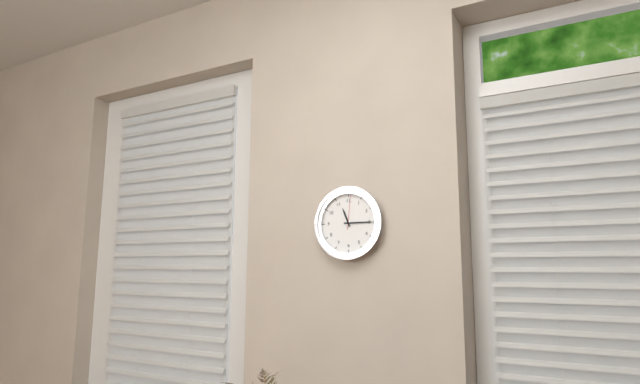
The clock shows 11 h 15 min
